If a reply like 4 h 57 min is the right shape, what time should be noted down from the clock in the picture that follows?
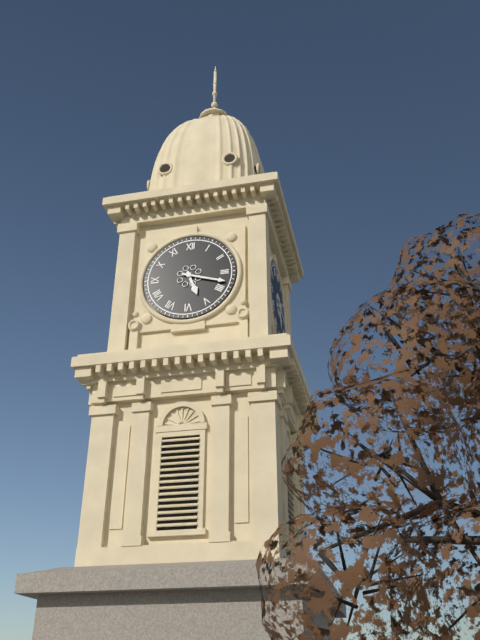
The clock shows 5 h 18 min
